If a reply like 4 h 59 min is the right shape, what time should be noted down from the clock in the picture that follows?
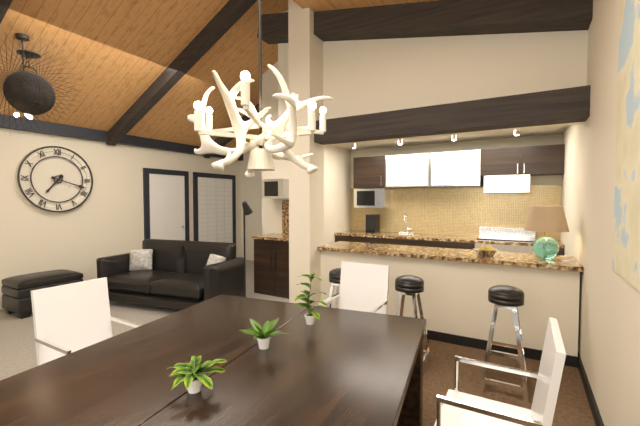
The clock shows 7 h 18 min
